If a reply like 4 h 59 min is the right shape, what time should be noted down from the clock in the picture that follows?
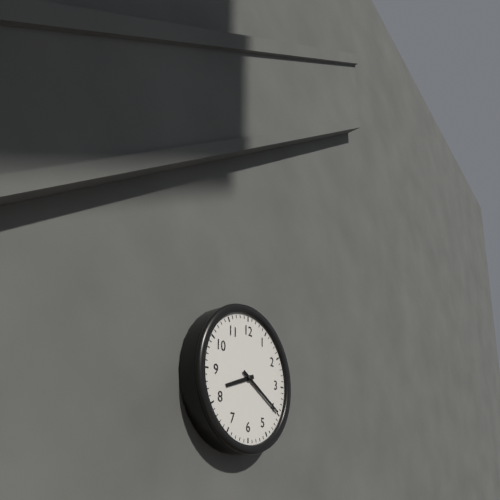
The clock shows 8 h 20 min
